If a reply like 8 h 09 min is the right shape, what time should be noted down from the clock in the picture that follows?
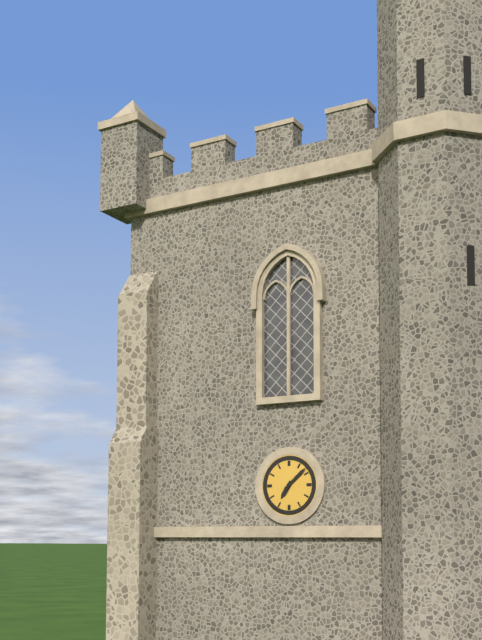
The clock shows 7 h 08 min
